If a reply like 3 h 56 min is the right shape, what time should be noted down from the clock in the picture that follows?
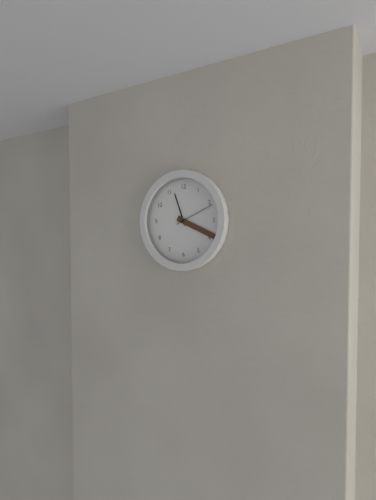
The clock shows 11 h 19 min
